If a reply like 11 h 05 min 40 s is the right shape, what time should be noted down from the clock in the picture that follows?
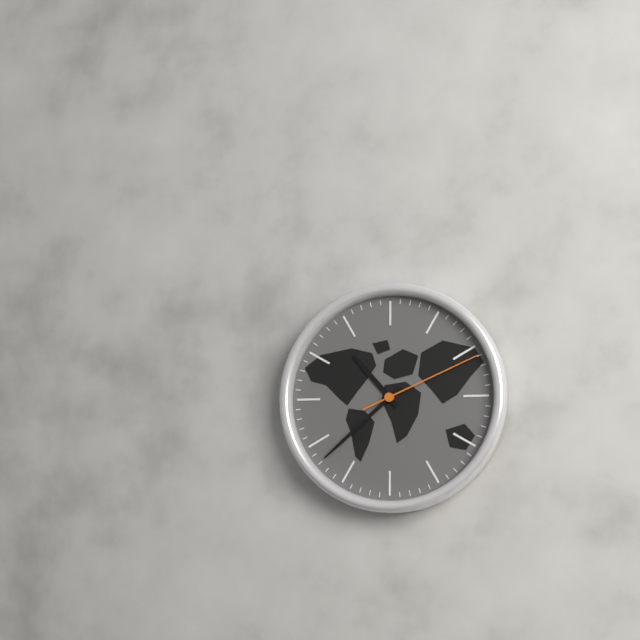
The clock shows 10 h 38 min 11 s
